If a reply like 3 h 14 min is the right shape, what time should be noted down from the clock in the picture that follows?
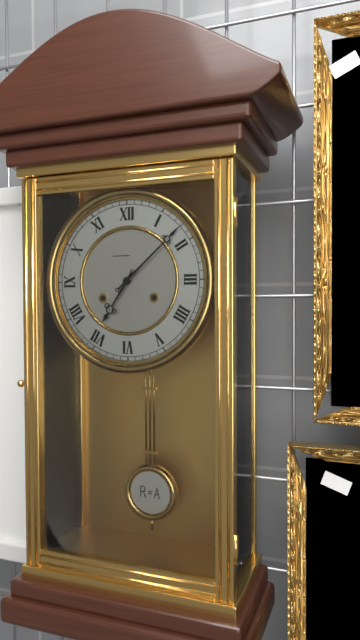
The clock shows 7 h 08 min
